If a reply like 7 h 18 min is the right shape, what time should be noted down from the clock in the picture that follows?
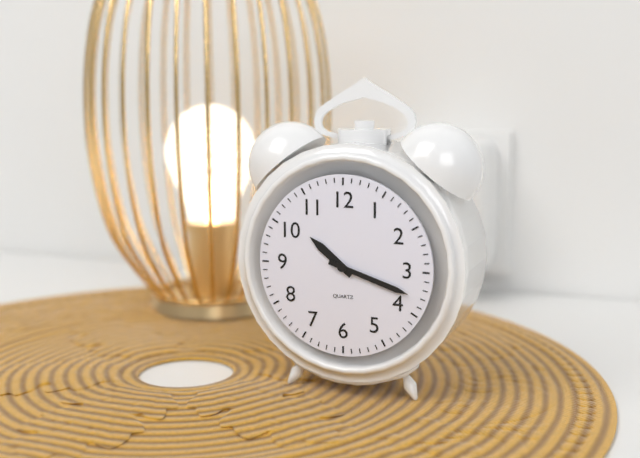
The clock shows 10 h 18 min
